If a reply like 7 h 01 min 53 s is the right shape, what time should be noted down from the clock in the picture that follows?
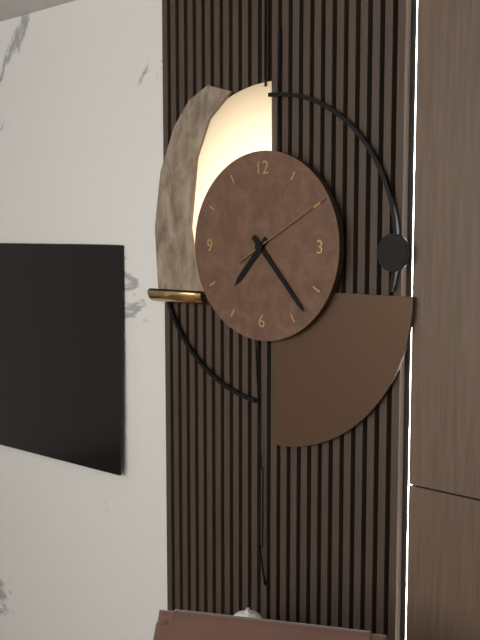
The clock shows 7 h 23 min 10 s
